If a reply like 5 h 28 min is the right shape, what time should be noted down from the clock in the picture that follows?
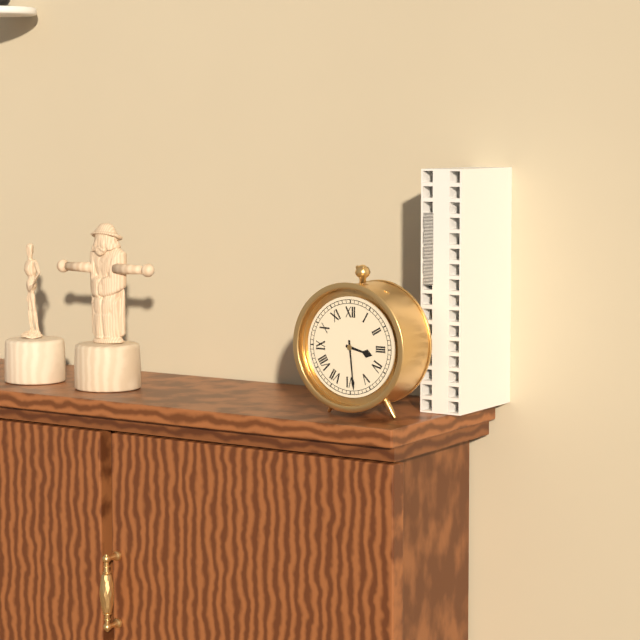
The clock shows 3 h 29 min
